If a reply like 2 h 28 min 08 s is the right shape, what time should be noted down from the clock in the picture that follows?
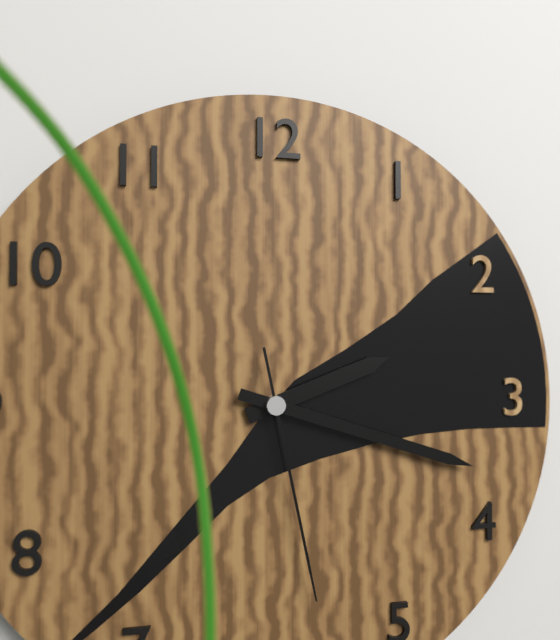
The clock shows 2 h 18 min 28 s
